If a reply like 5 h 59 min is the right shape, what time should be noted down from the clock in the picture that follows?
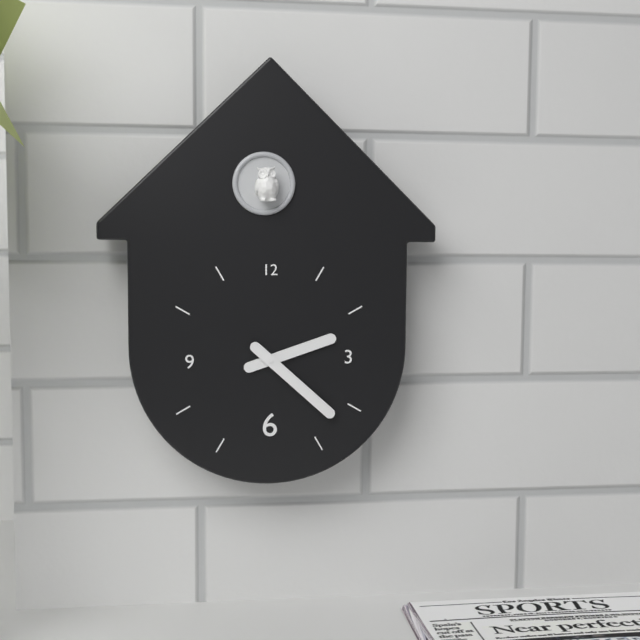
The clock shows 2 h 22 min
